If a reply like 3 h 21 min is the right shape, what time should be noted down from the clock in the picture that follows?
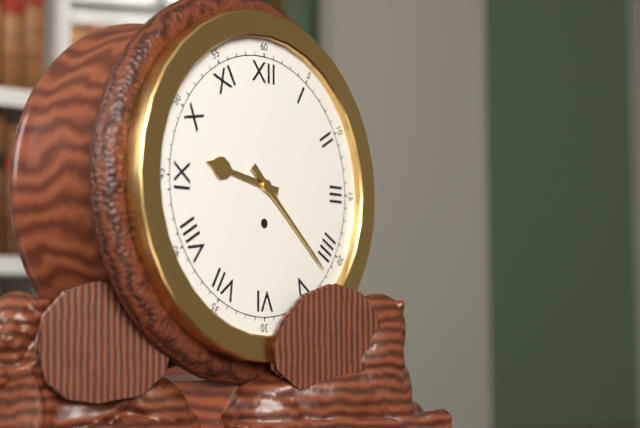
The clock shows 9 h 22 min
